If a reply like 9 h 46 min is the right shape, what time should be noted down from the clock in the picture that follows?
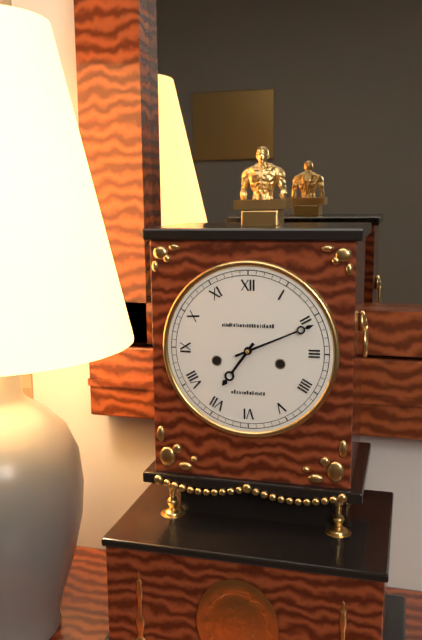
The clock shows 7 h 11 min
